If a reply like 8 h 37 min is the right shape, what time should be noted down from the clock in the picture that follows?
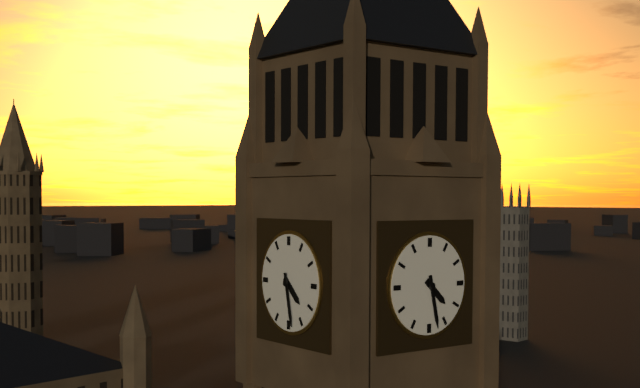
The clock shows 4 h 28 min
